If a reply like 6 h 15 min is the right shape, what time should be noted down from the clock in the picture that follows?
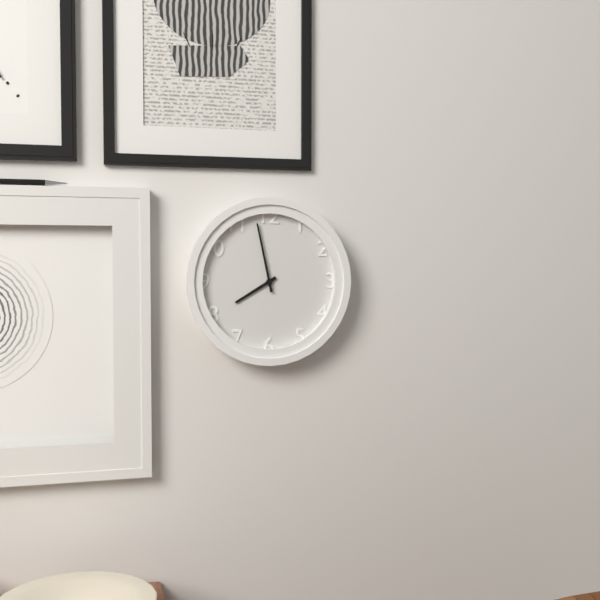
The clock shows 7 h 58 min
